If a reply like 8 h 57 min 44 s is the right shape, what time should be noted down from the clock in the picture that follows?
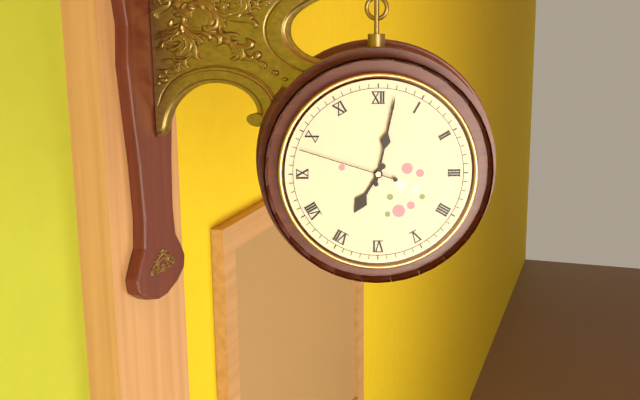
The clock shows 7 h 02 min 48 s
